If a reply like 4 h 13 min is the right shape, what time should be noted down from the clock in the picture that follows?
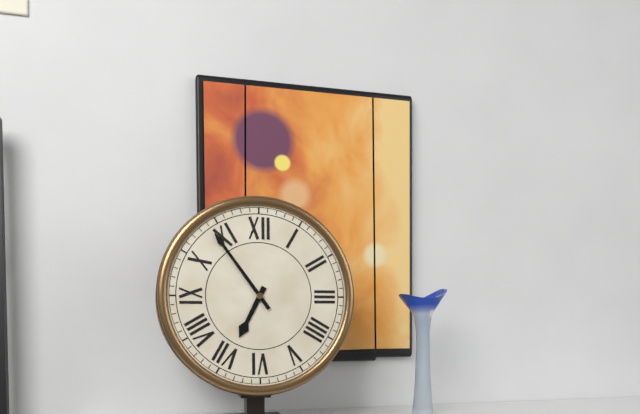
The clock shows 6 h 54 min
